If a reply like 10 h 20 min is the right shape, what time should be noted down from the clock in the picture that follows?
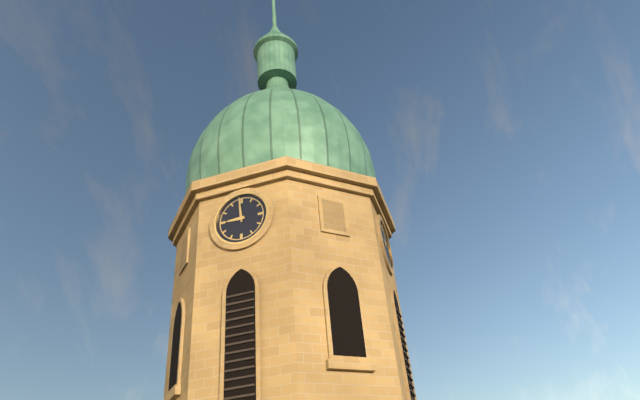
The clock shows 8 h 59 min
